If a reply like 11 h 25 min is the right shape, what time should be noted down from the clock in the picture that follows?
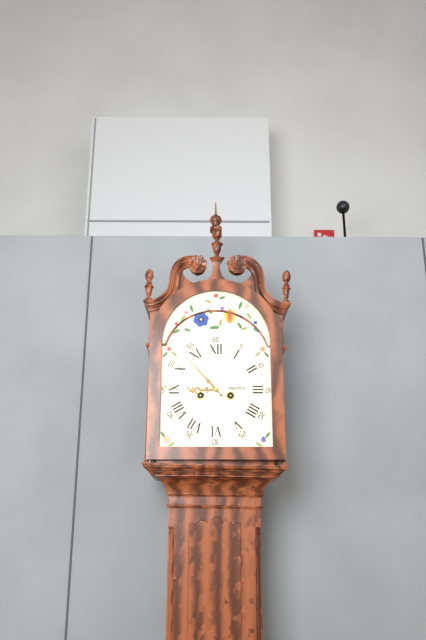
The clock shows 8 h 53 min
